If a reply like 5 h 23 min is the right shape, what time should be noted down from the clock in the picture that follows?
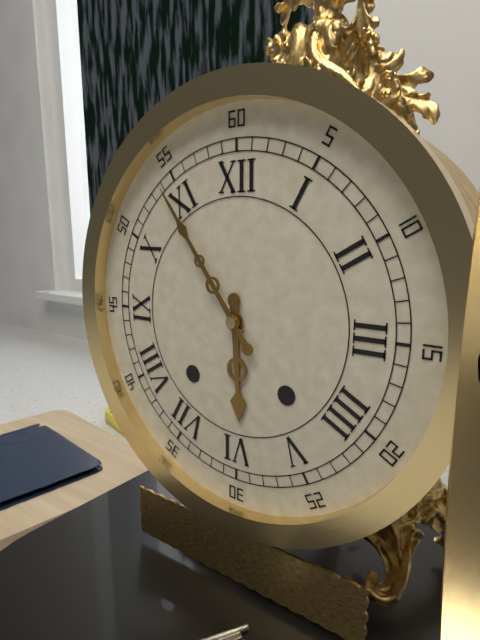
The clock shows 5 h 54 min
